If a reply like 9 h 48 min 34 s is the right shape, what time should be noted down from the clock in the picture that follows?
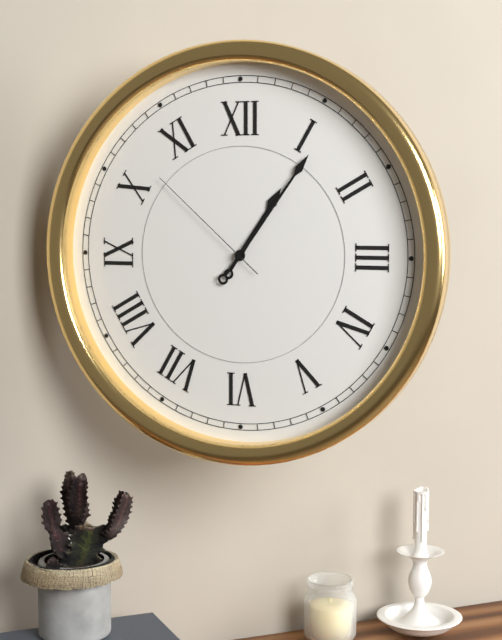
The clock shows 1 h 06 min 52 s
